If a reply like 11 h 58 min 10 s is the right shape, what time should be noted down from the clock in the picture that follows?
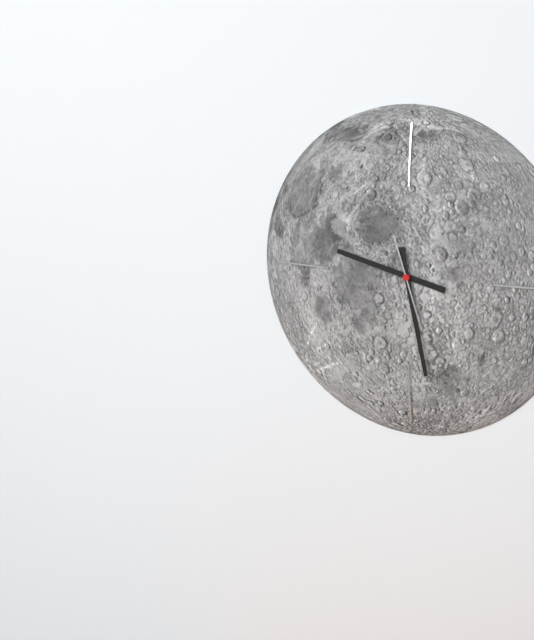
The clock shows 9 h 28 min 27 s
